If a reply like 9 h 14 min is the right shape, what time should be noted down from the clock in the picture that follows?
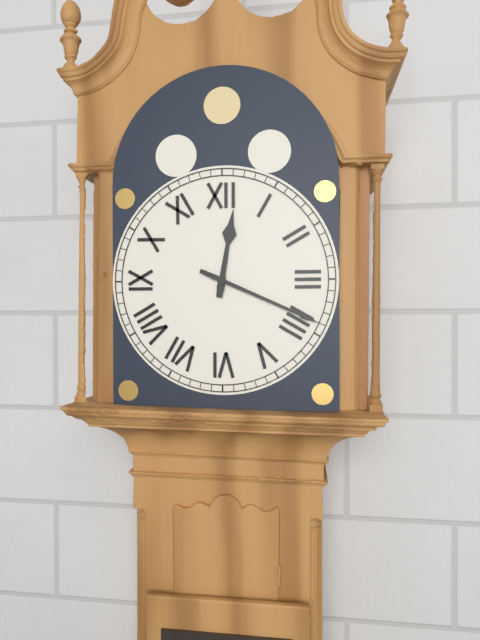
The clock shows 12 h 19 min
